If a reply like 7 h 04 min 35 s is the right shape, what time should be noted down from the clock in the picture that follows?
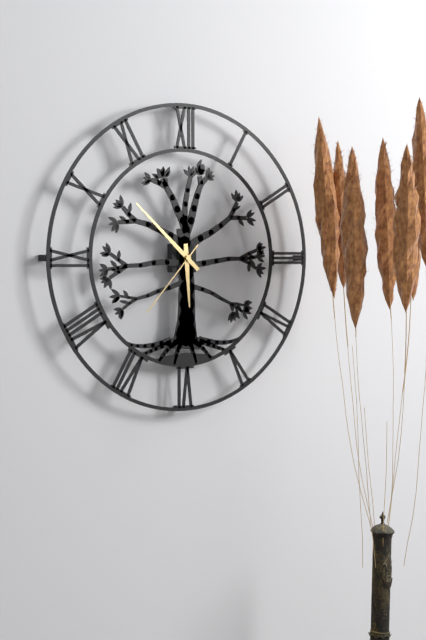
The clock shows 5 h 52 min 37 s
